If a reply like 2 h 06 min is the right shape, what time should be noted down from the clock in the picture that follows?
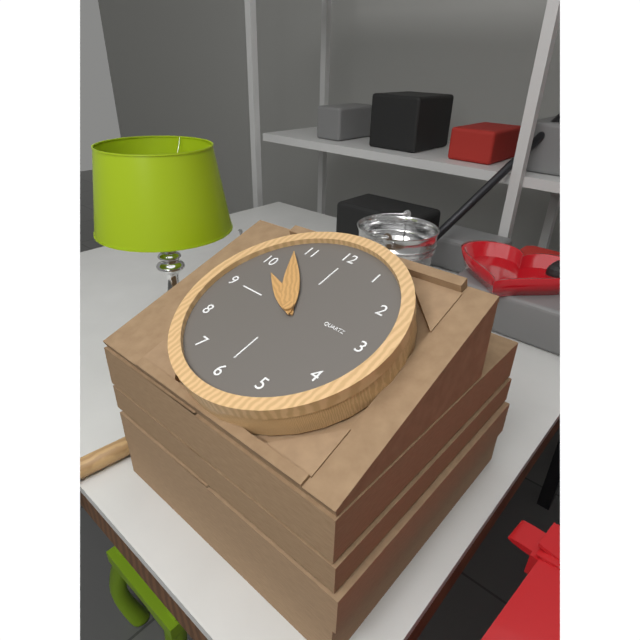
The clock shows 9 h 53 min
